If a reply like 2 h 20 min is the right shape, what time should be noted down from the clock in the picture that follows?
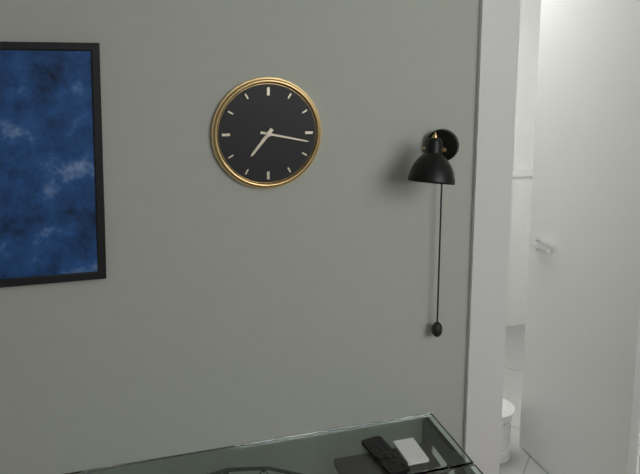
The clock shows 7 h 17 min
